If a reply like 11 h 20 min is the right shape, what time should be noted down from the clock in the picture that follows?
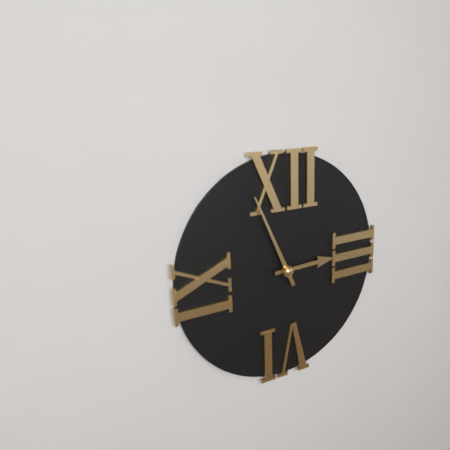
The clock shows 2 h 56 min
